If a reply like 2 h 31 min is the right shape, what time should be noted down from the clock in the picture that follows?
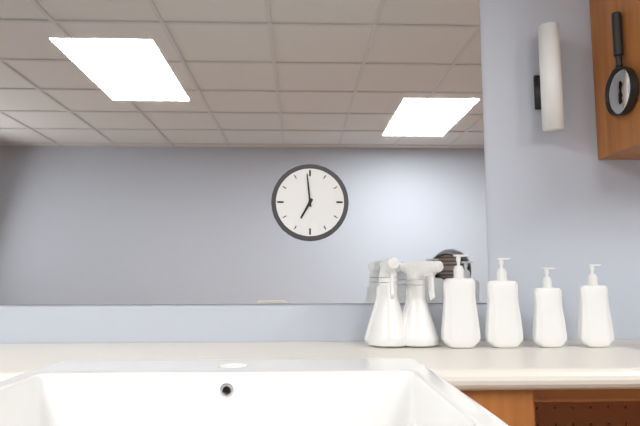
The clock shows 6 h 59 min
